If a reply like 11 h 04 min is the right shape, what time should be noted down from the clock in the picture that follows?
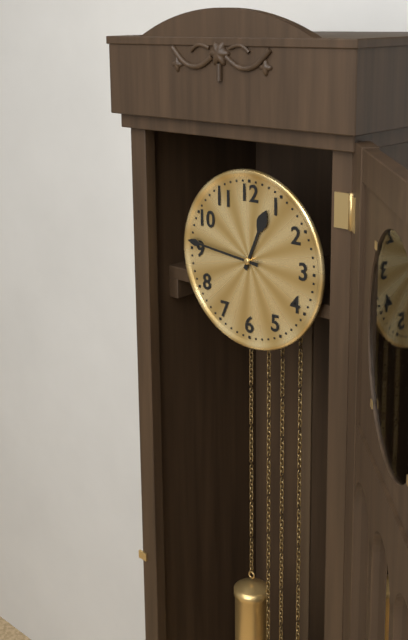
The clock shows 12 h 46 min
